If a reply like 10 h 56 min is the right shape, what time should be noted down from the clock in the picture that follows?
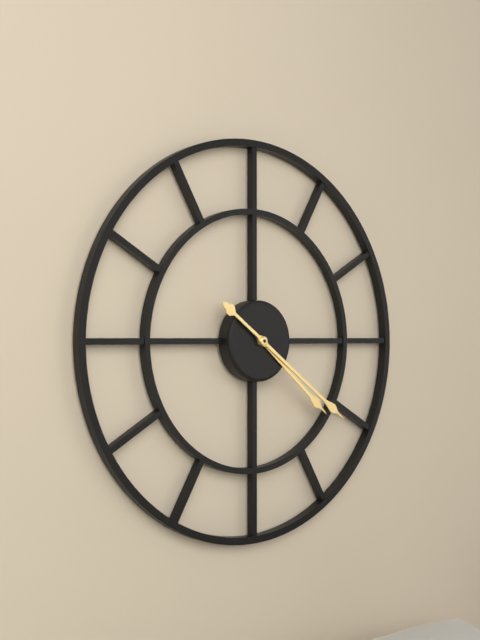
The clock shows 4 h 21 min
